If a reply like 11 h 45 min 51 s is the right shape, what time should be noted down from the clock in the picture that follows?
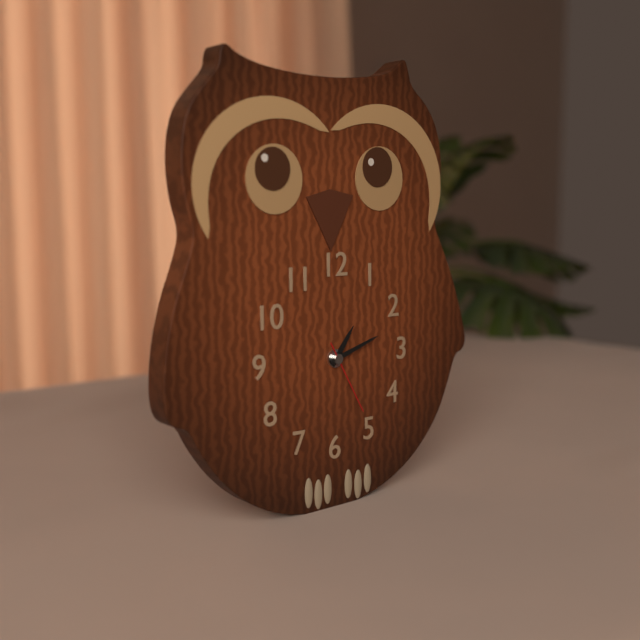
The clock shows 1 h 12 min 25 s
